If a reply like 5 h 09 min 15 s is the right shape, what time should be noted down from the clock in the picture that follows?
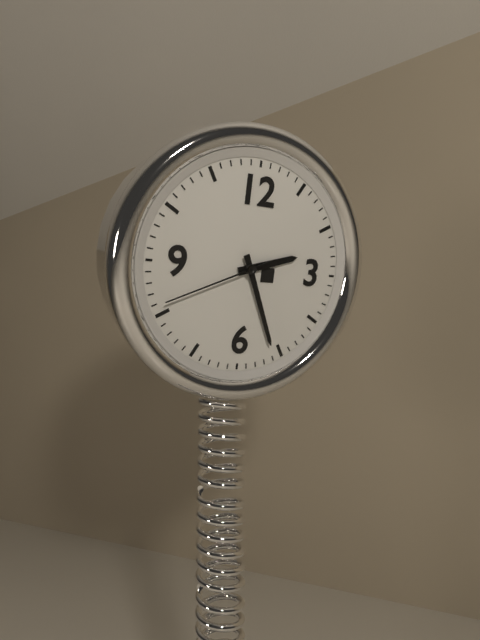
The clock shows 2 h 26 min 41 s
